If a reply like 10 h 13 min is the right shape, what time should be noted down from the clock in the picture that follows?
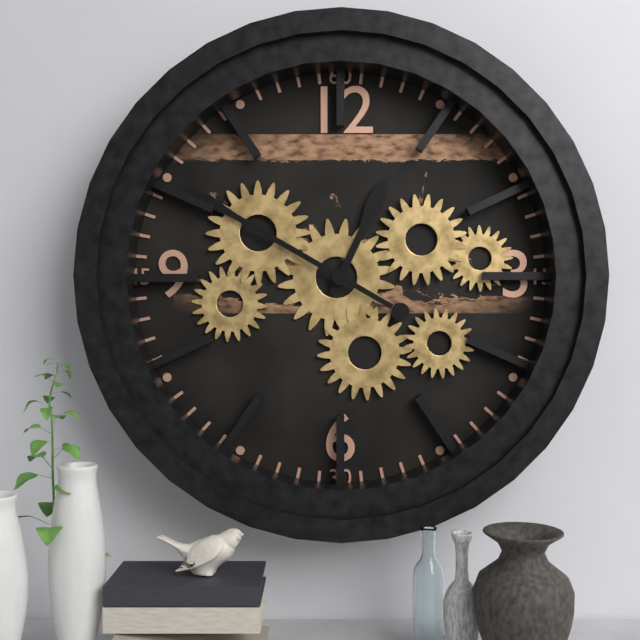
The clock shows 12 h 50 min
